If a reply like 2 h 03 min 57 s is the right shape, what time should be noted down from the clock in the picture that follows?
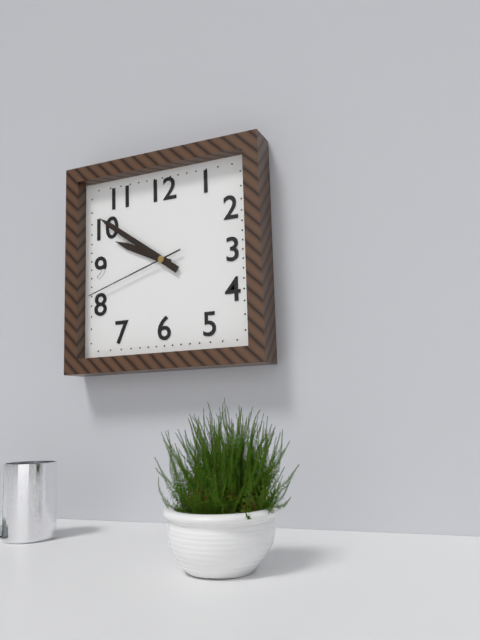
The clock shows 9 h 51 min 42 s
